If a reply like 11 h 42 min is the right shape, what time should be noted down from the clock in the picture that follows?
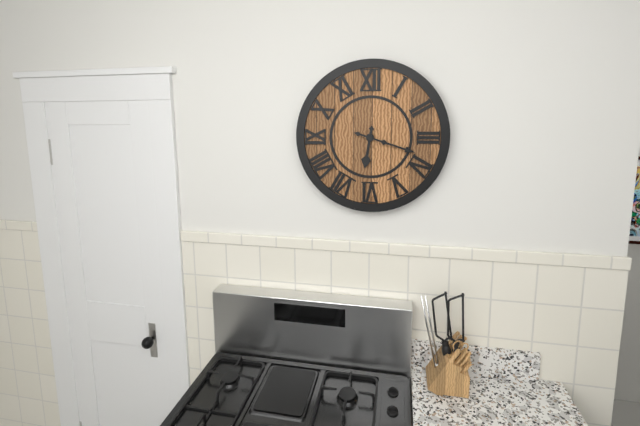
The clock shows 6 h 18 min
